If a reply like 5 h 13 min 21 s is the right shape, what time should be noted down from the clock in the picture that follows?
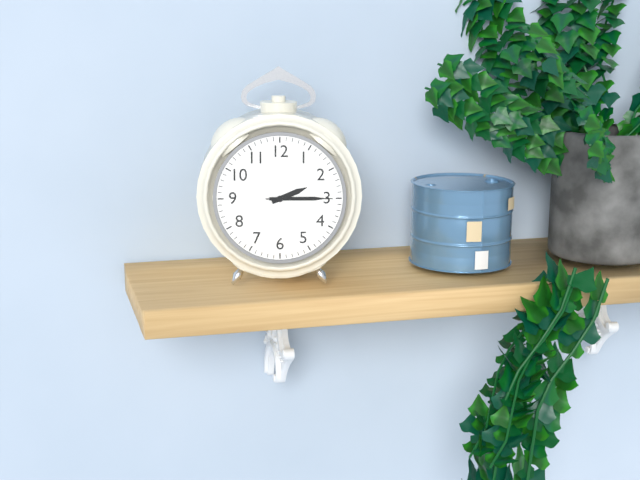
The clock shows 2 h 15 min 15 s
